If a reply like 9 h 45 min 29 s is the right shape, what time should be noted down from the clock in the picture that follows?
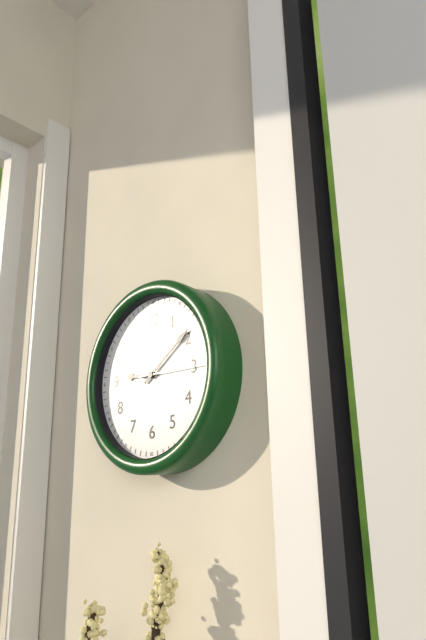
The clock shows 9 h 09 min 15 s
